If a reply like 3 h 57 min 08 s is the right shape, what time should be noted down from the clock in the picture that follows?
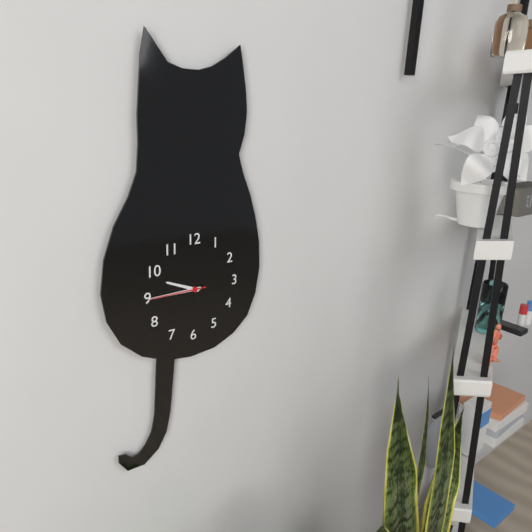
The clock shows 9 h 45 min 45 s
